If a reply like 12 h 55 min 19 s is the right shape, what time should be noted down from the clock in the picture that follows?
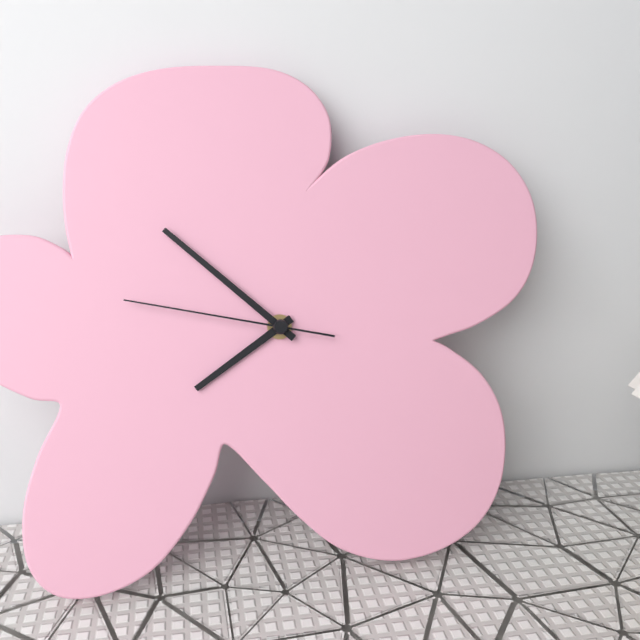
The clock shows 7 h 52 min 47 s
